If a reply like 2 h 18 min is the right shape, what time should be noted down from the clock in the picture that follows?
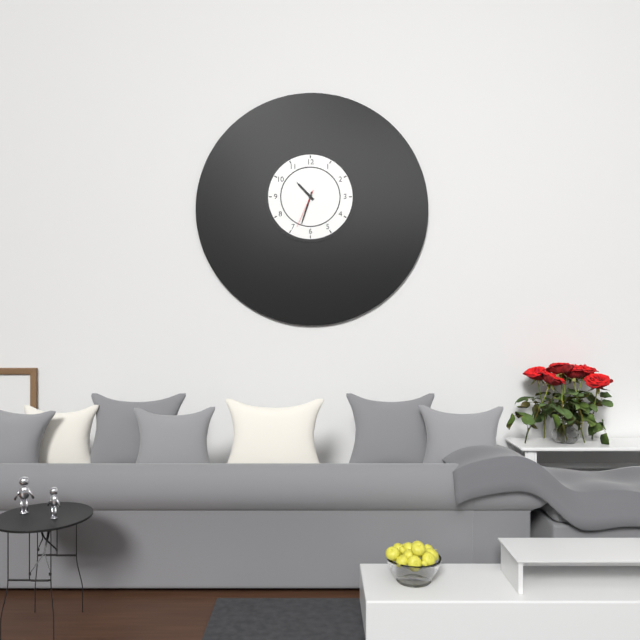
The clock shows 10 h 33 min
